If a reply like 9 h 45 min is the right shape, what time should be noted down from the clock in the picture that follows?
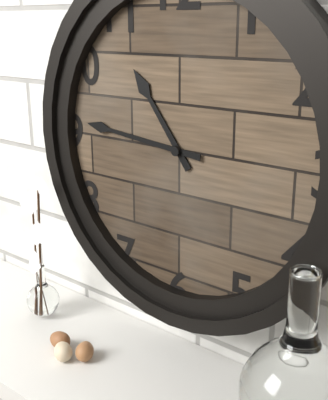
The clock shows 10 h 46 min
